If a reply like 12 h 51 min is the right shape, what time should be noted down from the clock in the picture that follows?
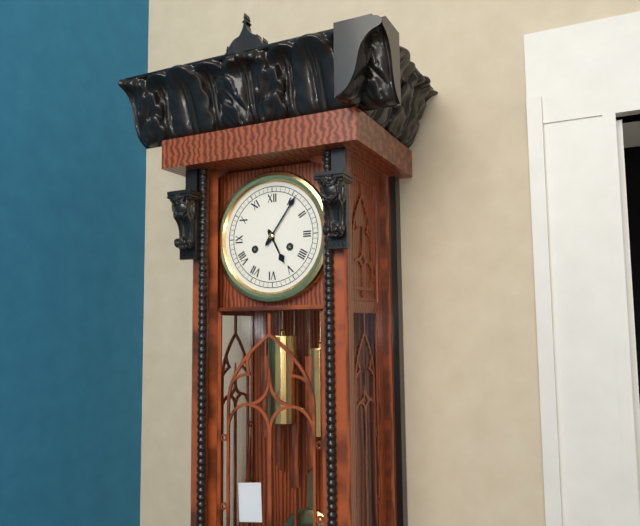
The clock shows 5 h 06 min
